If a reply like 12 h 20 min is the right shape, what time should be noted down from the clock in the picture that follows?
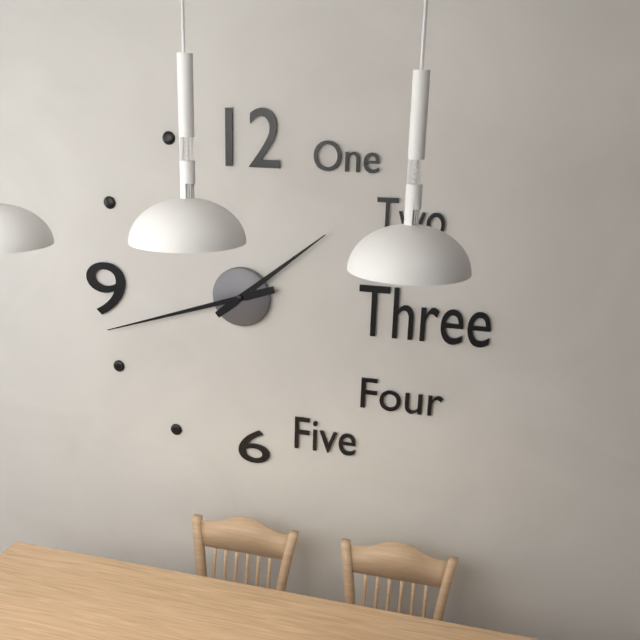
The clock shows 1 h 42 min
